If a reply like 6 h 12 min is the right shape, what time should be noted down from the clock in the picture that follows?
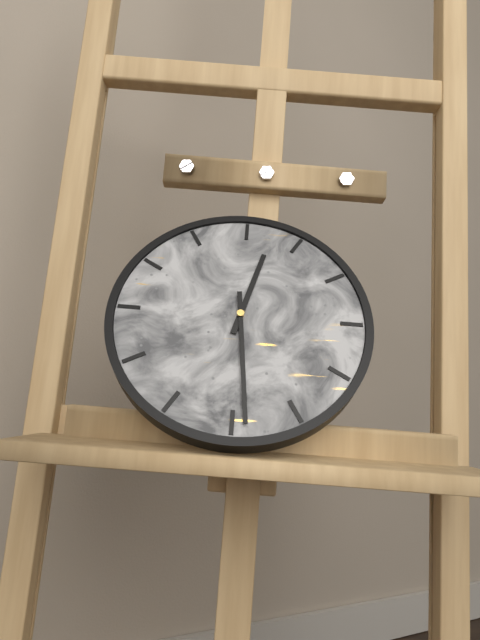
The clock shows 12 h 29 min
